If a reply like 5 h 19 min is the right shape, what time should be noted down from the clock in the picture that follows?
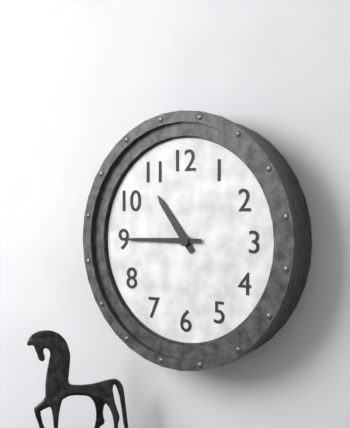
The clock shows 10 h 45 min
